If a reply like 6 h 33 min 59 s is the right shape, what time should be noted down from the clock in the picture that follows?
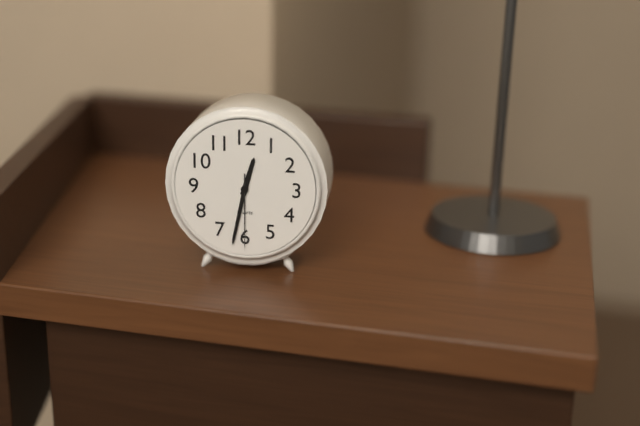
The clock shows 12 h 32 min 30 s
